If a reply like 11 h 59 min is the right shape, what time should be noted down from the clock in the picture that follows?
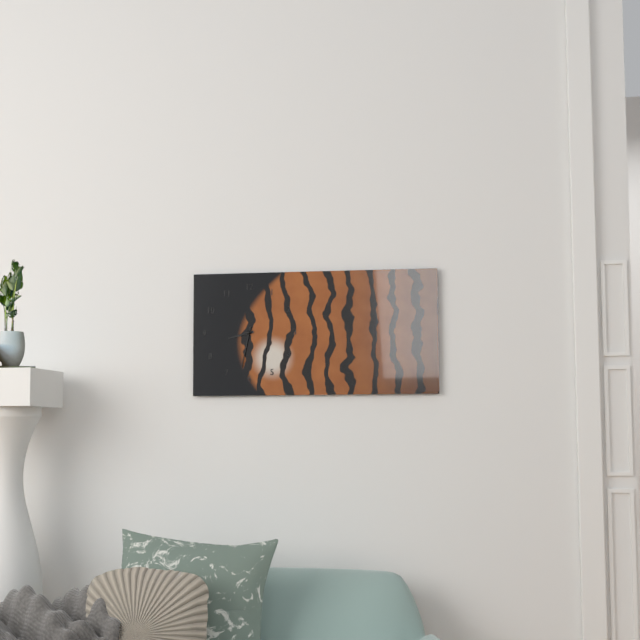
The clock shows 8 h 32 min
